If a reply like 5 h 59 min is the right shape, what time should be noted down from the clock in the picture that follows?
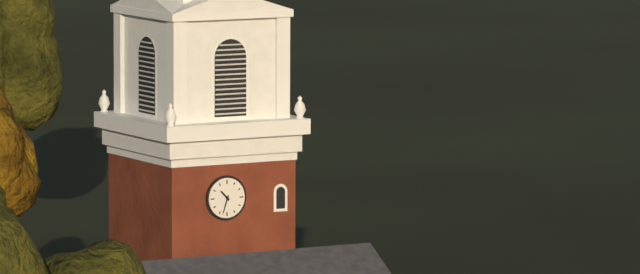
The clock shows 10 h 33 min
